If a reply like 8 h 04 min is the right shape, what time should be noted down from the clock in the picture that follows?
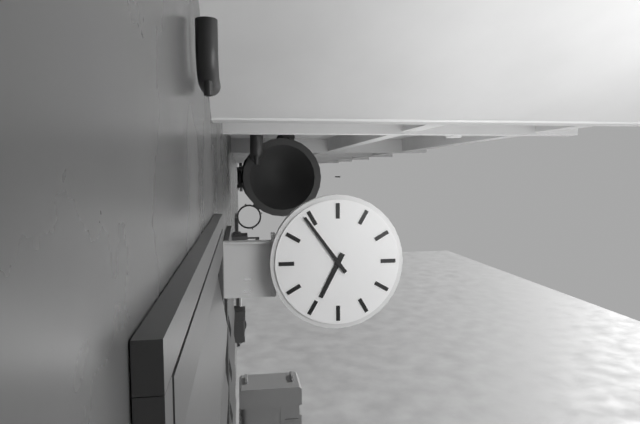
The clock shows 6 h 54 min
